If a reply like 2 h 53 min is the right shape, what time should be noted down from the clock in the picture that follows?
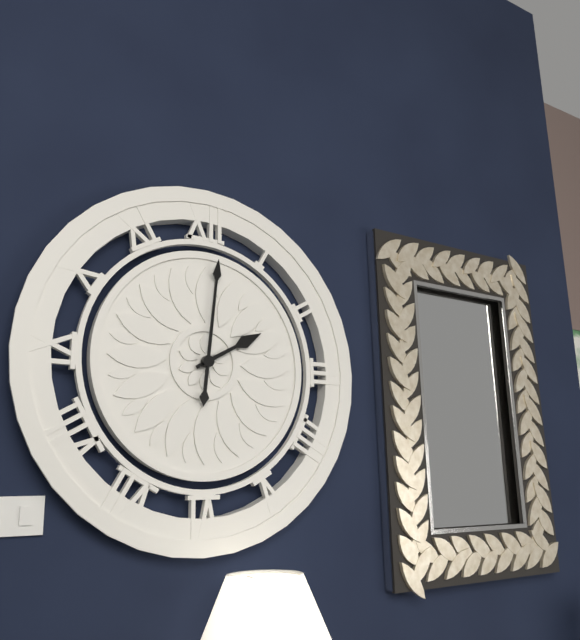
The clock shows 2 h 01 min
